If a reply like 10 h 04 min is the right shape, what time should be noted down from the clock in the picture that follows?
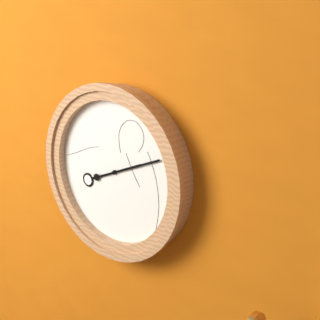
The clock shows 2 h 11 min
